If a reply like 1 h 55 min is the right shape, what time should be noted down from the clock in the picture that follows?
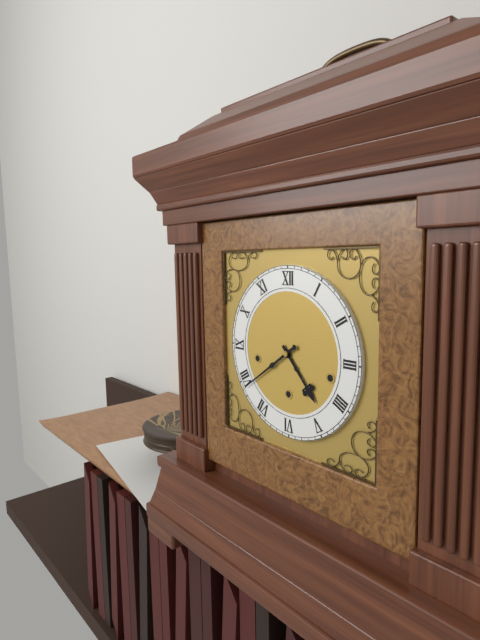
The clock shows 4 h 39 min
